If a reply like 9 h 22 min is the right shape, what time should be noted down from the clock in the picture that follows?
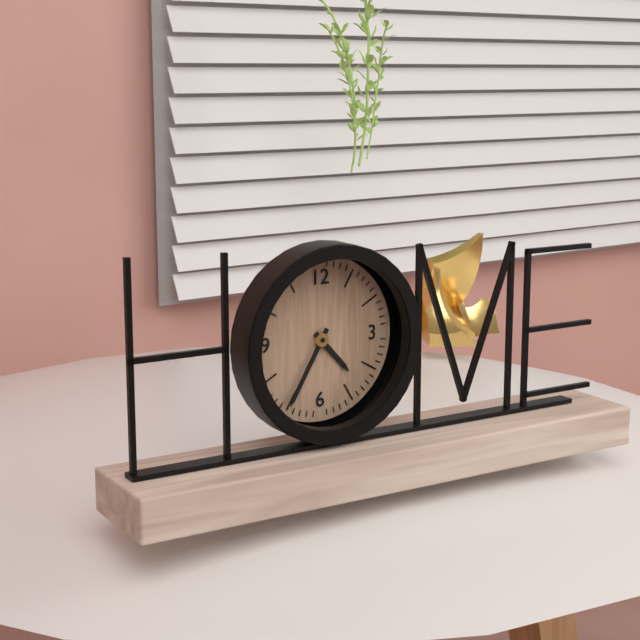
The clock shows 4 h 35 min
